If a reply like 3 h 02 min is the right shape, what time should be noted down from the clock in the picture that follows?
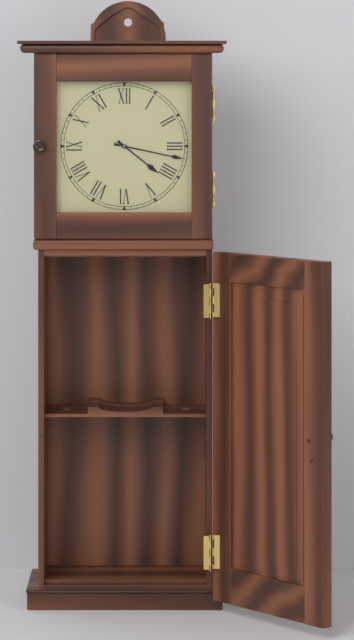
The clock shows 4 h 17 min
